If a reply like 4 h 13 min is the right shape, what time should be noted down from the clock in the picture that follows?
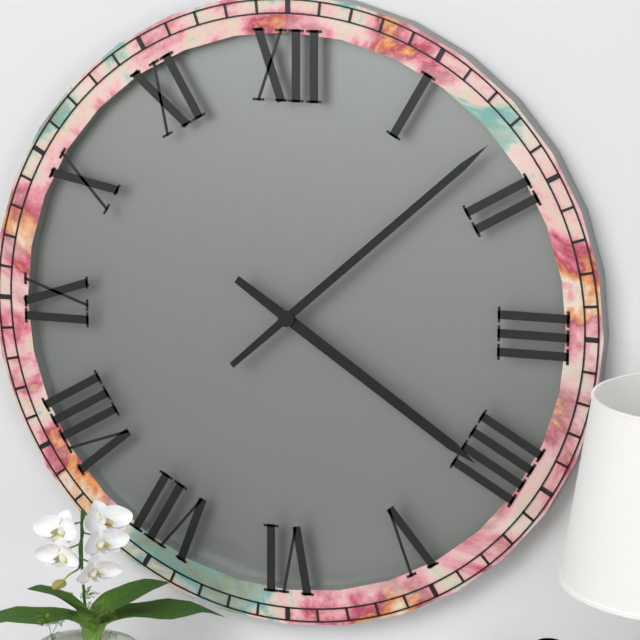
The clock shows 4 h 08 min
